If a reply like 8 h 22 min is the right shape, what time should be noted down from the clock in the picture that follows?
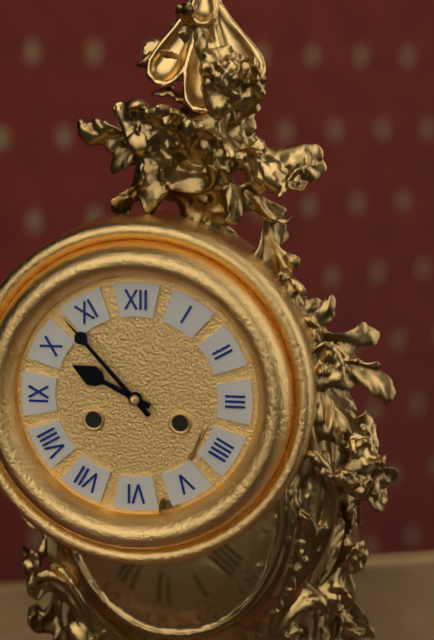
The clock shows 9 h 53 min
